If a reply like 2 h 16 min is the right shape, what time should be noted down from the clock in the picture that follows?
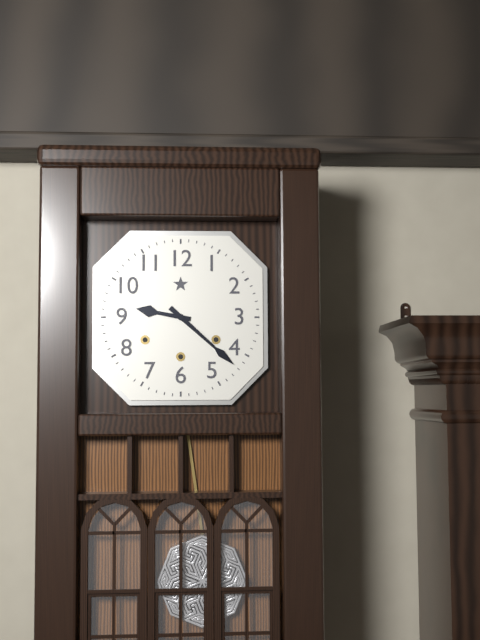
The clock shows 9 h 22 min
